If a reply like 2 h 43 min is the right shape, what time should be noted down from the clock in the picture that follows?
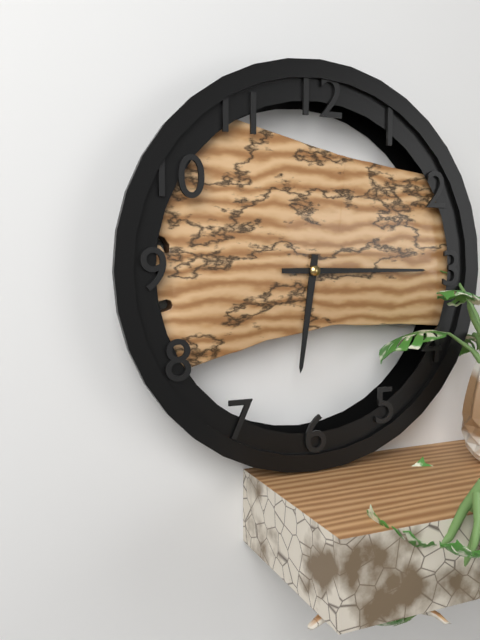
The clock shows 6 h 15 min
